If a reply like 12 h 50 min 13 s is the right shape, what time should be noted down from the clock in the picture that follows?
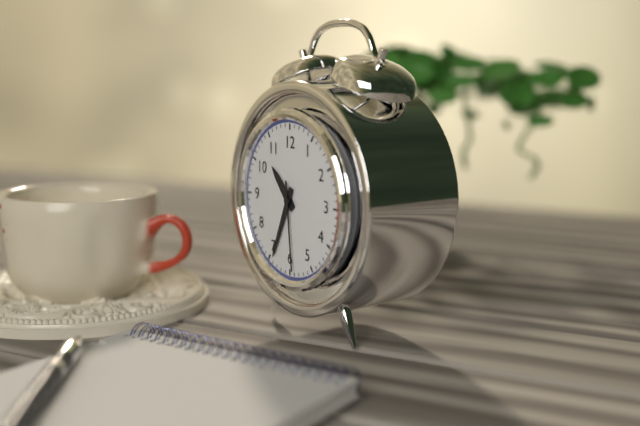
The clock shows 10 h 34 min 29 s
